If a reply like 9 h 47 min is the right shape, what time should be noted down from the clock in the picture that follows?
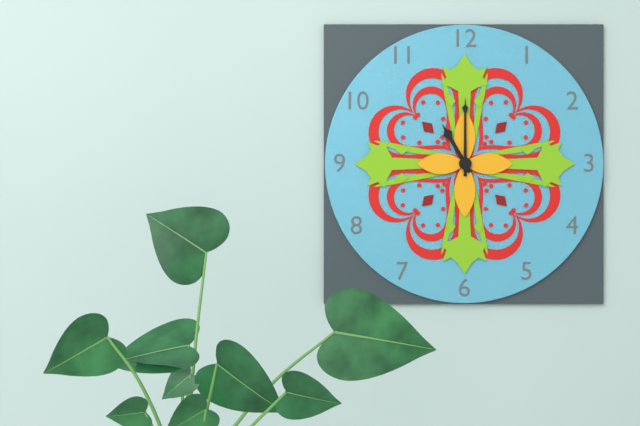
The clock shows 11 h 00 min
